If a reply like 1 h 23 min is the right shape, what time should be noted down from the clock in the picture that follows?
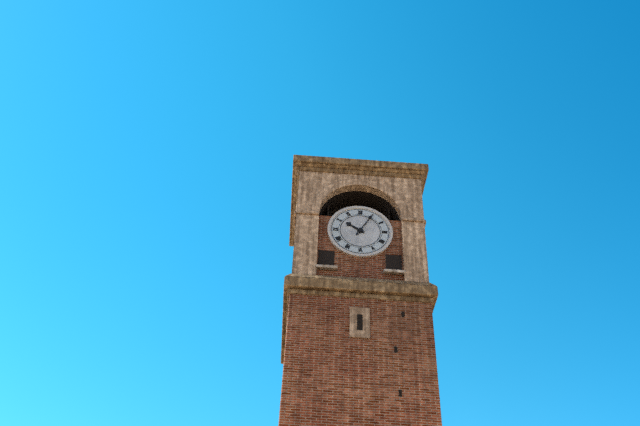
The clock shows 10 h 05 min
